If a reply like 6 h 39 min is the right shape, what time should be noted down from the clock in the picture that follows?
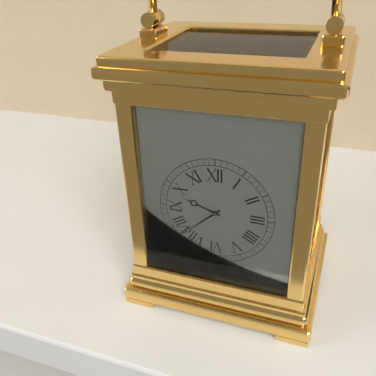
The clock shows 9 h 38 min
